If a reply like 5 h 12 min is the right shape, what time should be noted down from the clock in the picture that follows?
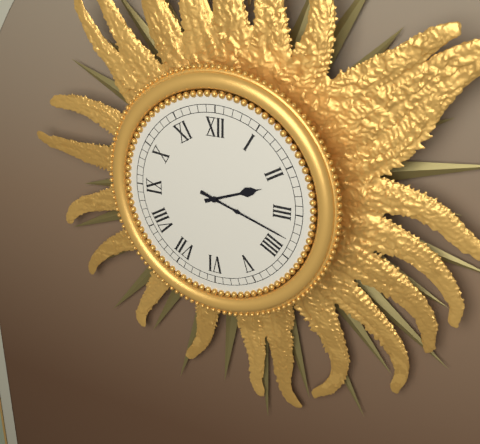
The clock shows 2 h 18 min
